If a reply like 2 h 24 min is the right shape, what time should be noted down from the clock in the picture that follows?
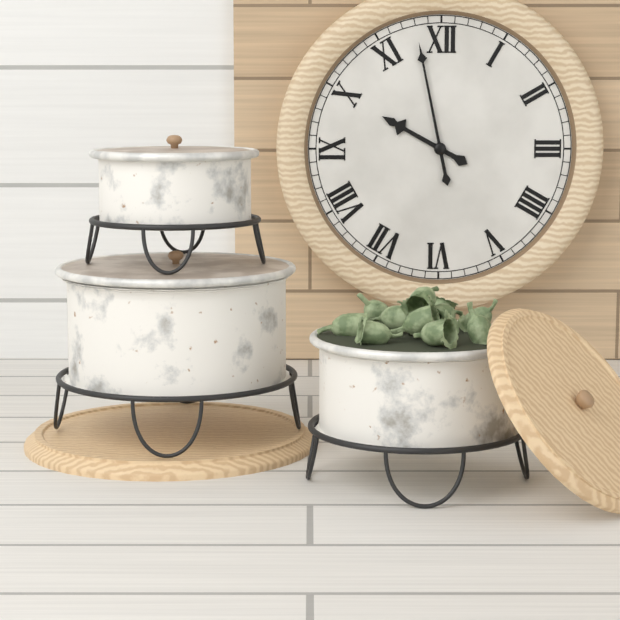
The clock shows 9 h 58 min
